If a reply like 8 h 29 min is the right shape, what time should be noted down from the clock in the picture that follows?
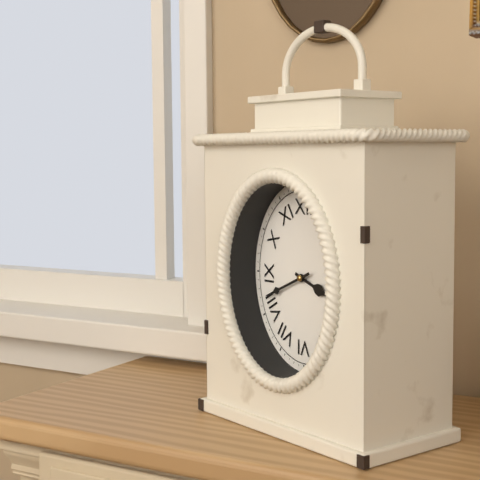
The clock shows 3 h 41 min
